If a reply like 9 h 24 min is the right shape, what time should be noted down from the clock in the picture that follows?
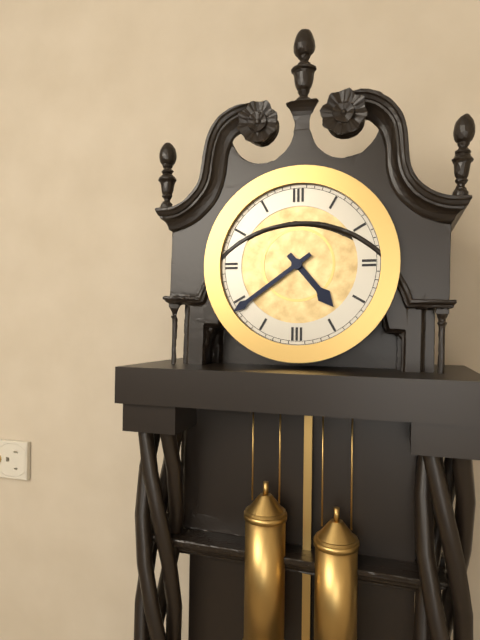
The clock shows 4 h 39 min
